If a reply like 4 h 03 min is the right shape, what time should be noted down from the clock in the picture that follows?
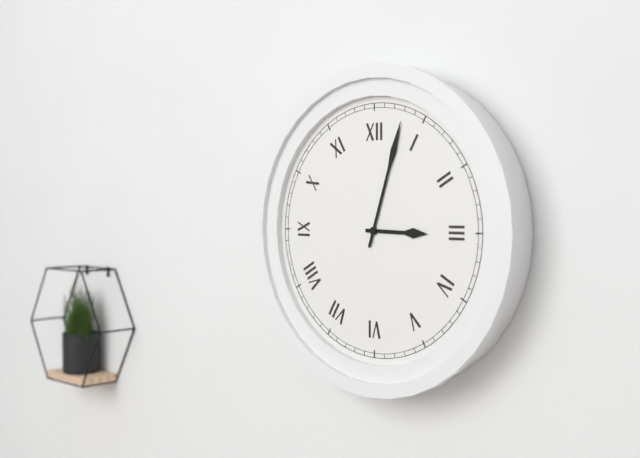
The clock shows 3 h 03 min
